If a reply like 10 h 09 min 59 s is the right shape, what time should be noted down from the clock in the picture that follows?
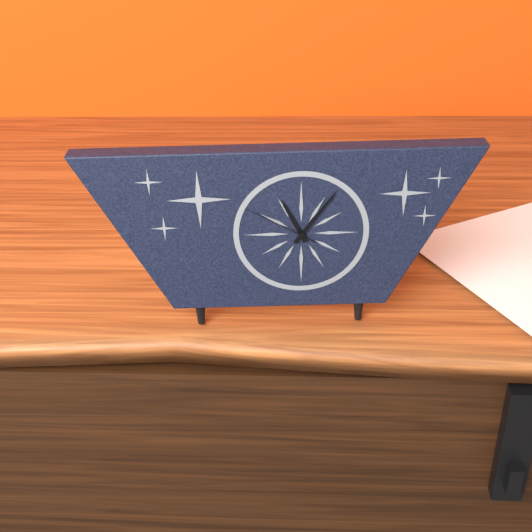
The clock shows 11 h 06 min 50 s
